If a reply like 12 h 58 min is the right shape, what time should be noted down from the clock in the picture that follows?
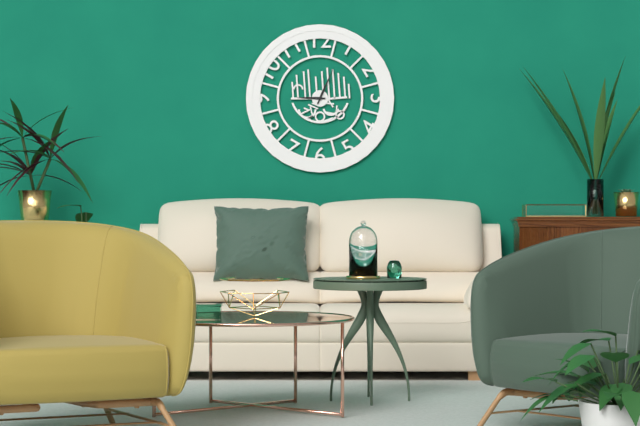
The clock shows 9 h 04 min
